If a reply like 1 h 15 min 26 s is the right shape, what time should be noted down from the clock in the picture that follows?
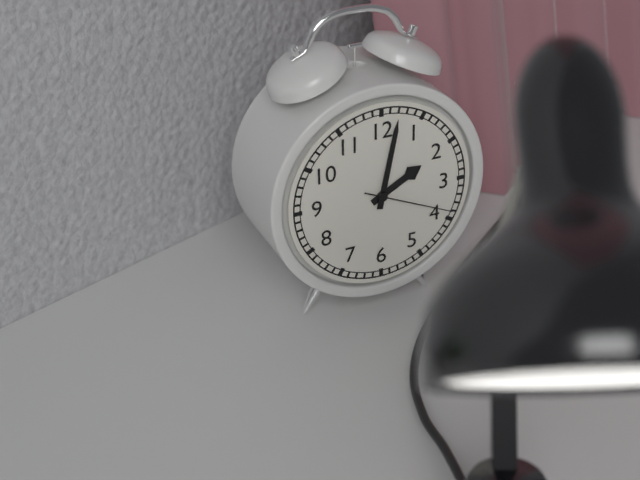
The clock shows 2 h 02 min 19 s
